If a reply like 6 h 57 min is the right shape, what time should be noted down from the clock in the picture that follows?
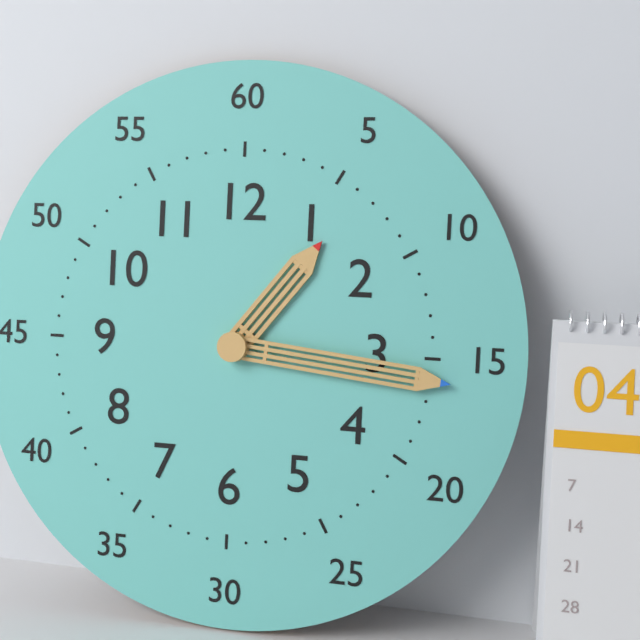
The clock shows 1 h 16 min
